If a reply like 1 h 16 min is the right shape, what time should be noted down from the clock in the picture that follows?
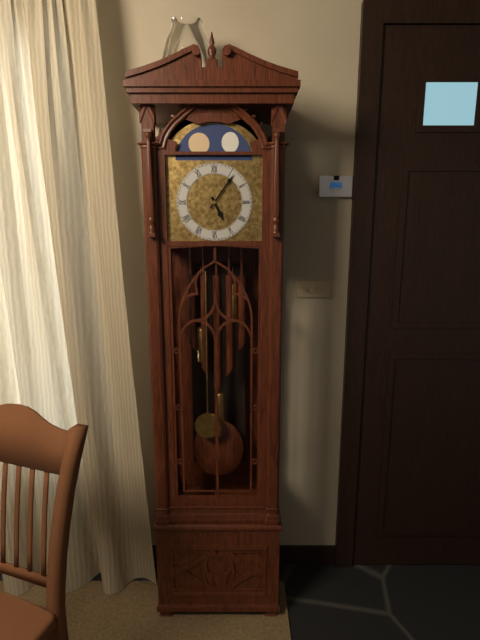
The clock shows 5 h 06 min
